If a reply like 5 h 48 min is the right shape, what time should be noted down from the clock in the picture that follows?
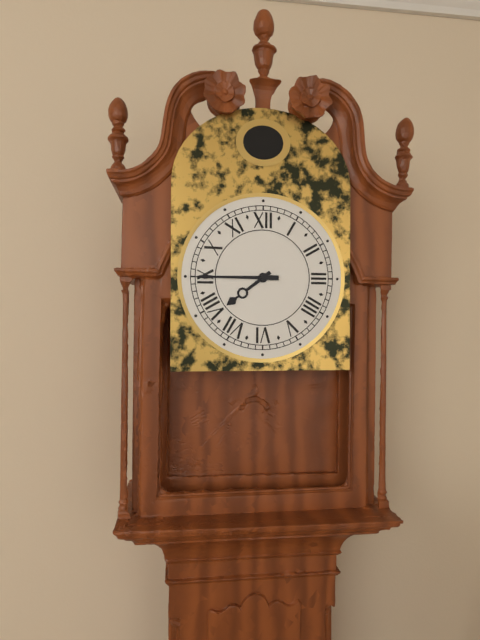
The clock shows 7 h 45 min
